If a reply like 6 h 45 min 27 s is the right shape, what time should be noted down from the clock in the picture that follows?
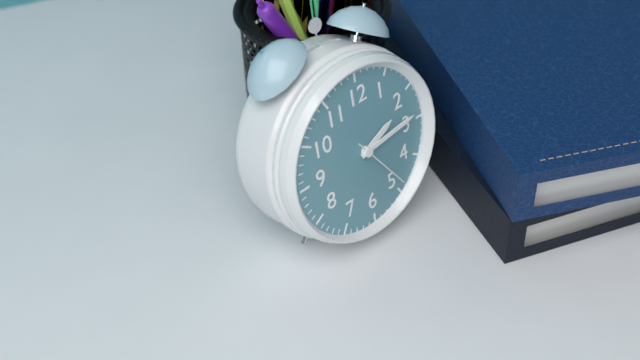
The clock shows 2 h 14 min 24 s
